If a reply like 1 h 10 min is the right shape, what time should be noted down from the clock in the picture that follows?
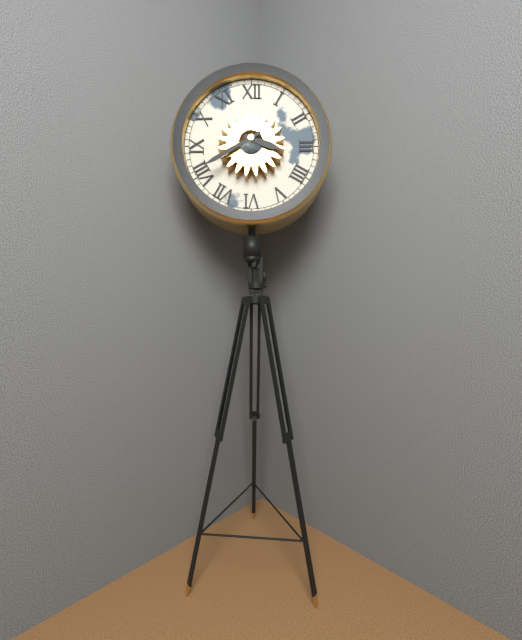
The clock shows 3 h 40 min
